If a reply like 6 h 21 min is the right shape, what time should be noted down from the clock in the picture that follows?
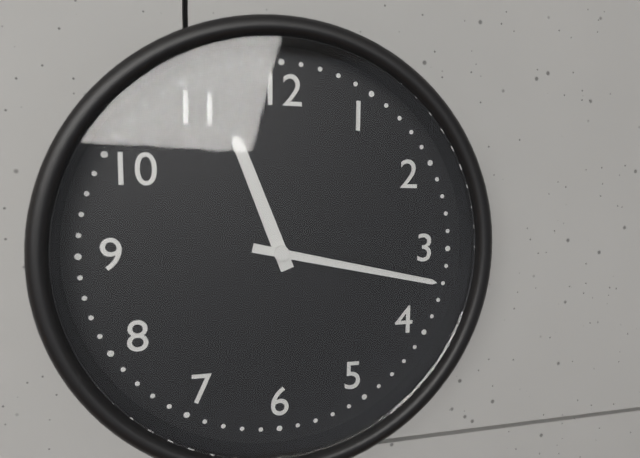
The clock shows 11 h 17 min
